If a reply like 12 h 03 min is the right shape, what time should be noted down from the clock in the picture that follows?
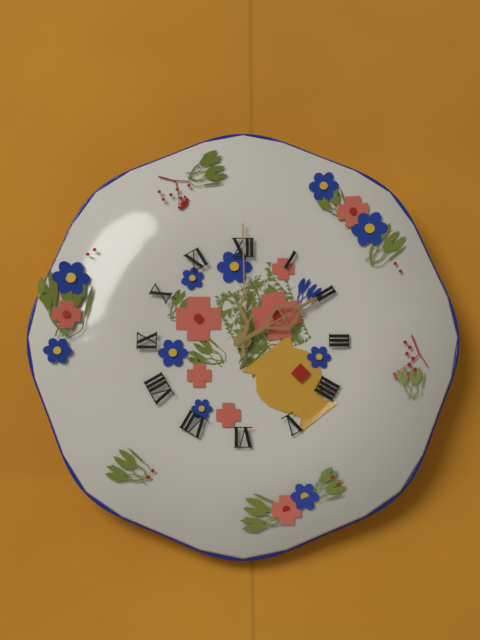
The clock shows 2 h 00 min
